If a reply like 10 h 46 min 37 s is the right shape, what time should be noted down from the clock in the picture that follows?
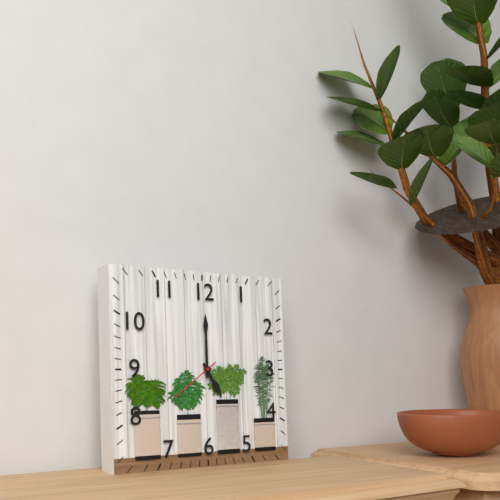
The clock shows 5 h 00 min 39 s
